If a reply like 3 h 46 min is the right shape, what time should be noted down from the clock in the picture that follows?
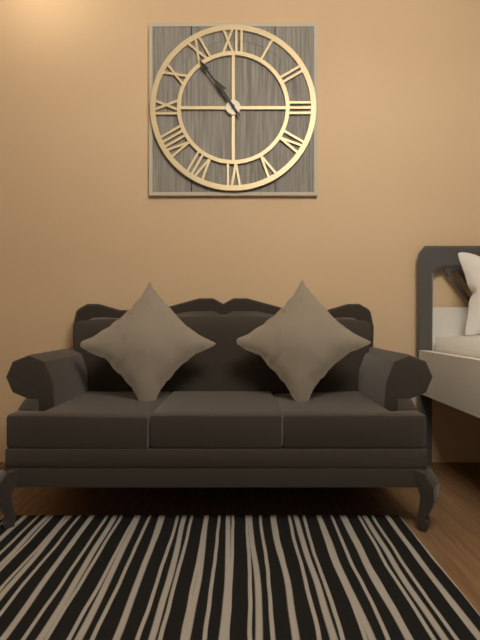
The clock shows 10 h 54 min
